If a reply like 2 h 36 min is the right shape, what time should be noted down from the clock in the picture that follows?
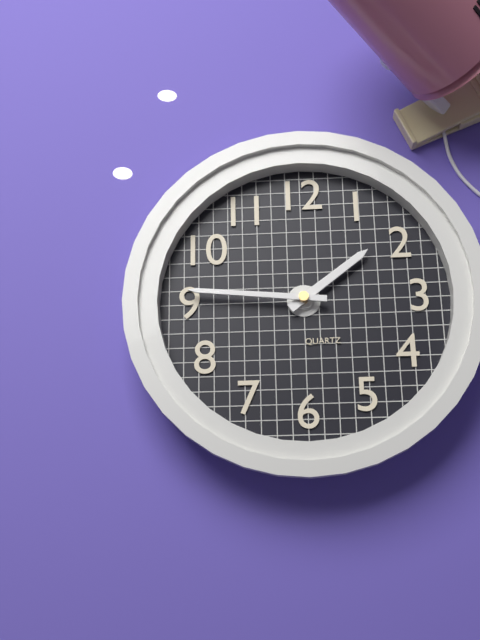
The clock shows 1 h 46 min
